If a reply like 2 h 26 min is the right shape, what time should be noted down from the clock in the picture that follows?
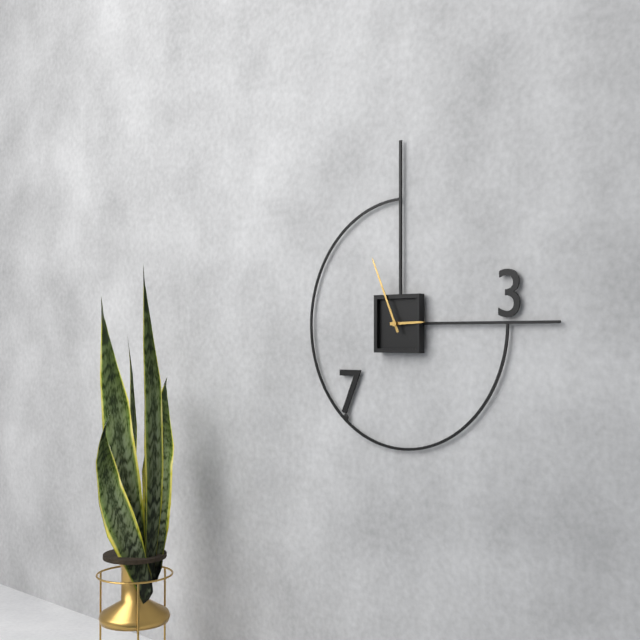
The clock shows 2 h 56 min
